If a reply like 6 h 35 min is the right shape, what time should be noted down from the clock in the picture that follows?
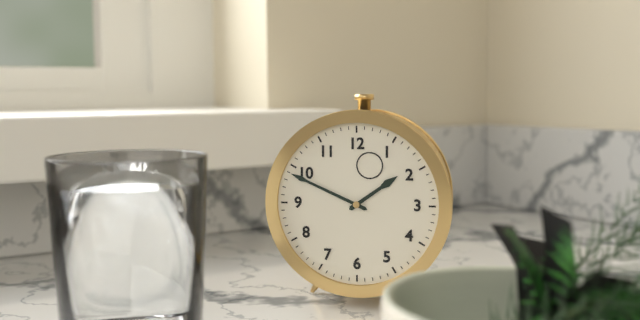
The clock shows 1 h 49 min
